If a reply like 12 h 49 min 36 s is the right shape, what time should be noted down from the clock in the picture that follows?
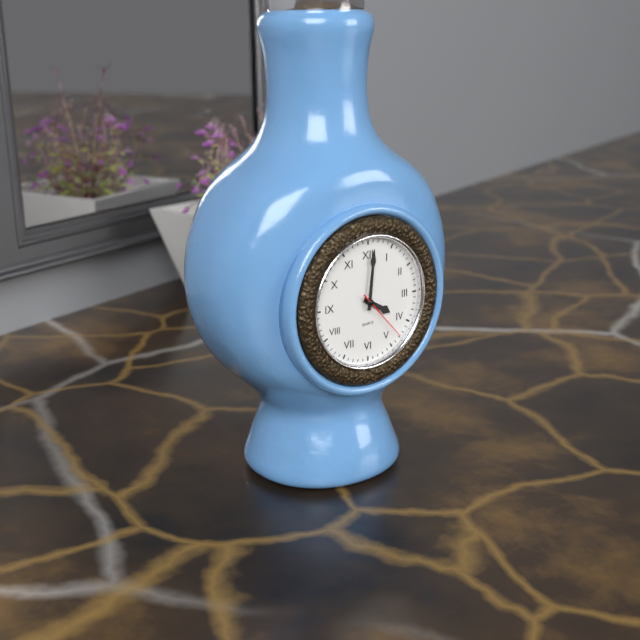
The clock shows 4 h 01 min 23 s
